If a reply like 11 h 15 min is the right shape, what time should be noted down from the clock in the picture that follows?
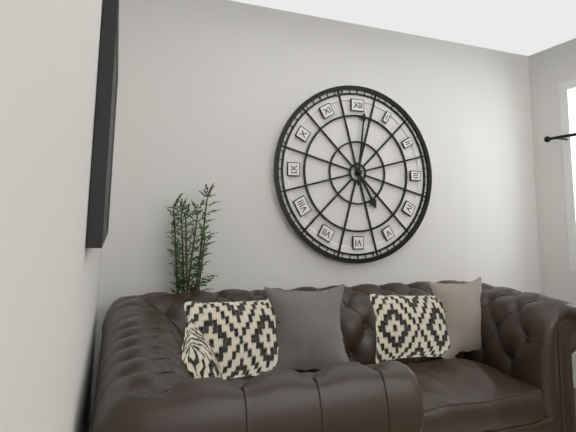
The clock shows 5 h 01 min
